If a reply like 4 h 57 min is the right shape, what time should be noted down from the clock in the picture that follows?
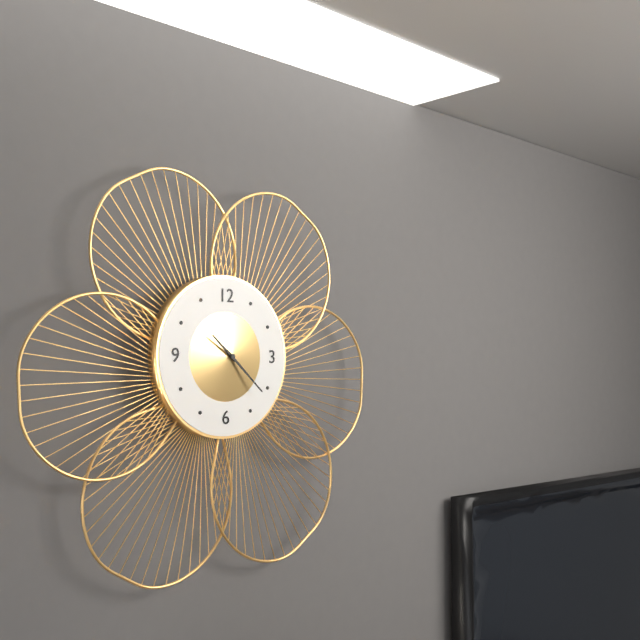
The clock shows 10 h 22 min
